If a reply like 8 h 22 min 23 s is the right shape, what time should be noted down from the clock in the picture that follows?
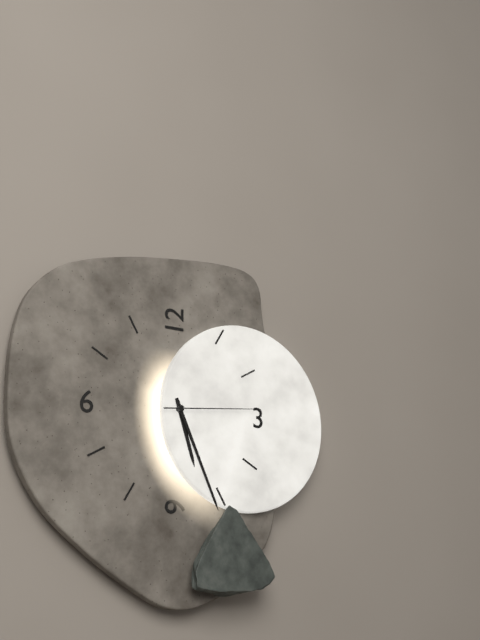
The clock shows 5 h 26 min 14 s
